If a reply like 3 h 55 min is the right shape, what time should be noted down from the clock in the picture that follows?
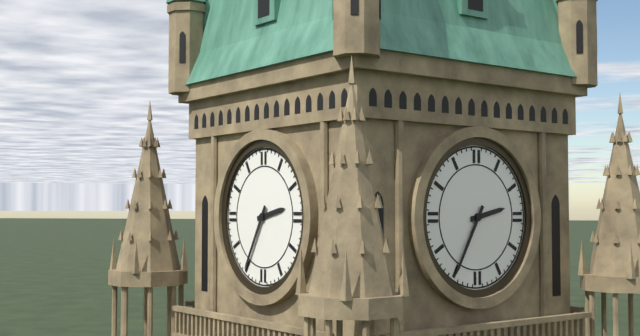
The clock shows 2 h 35 min
